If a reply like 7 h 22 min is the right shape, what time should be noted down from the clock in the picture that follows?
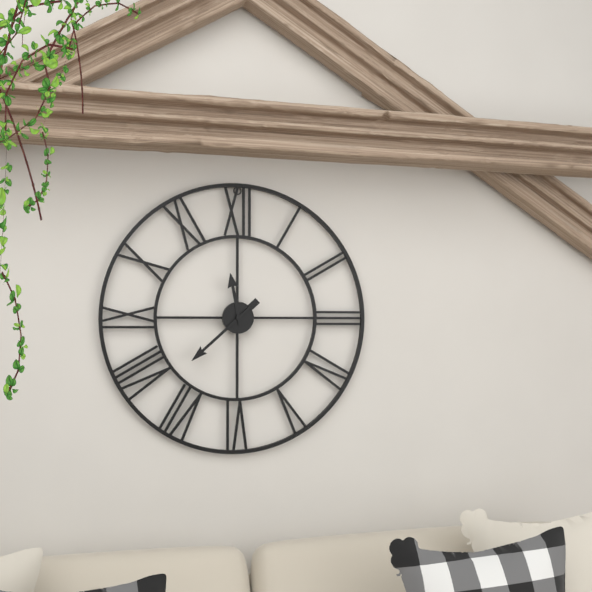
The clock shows 11 h 38 min
